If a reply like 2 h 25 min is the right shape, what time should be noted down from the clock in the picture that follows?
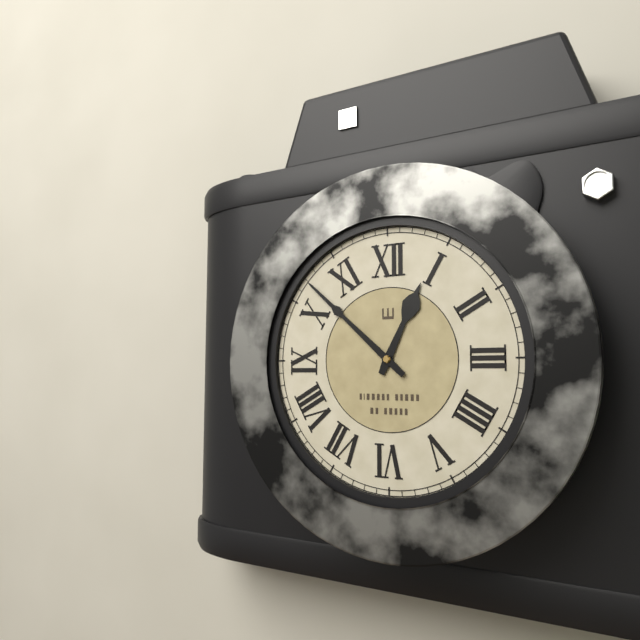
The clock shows 12 h 52 min
